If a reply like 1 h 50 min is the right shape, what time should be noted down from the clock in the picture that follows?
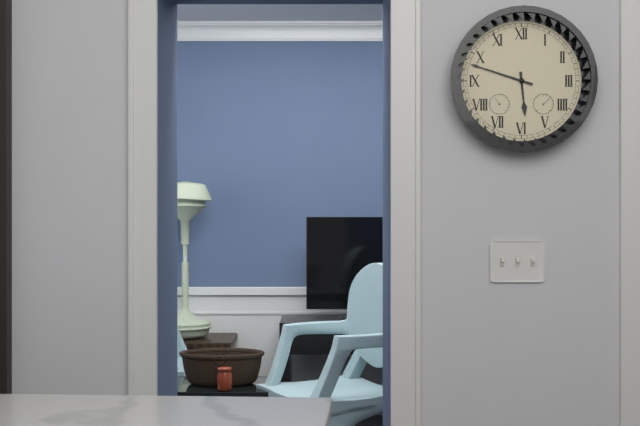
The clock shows 5 h 48 min
